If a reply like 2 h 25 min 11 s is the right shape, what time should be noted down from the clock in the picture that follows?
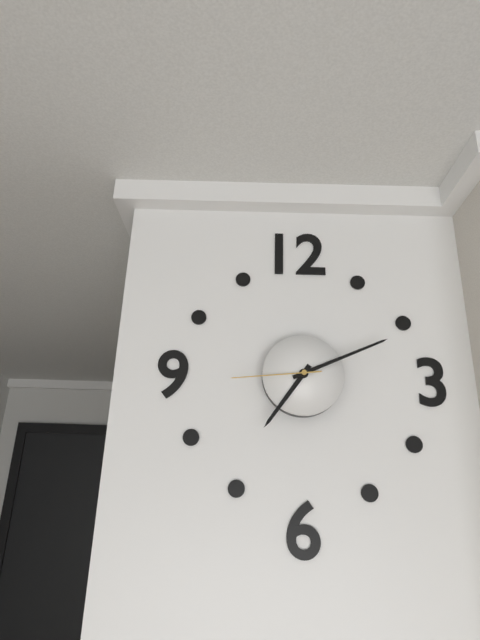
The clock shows 7 h 11 min 44 s
